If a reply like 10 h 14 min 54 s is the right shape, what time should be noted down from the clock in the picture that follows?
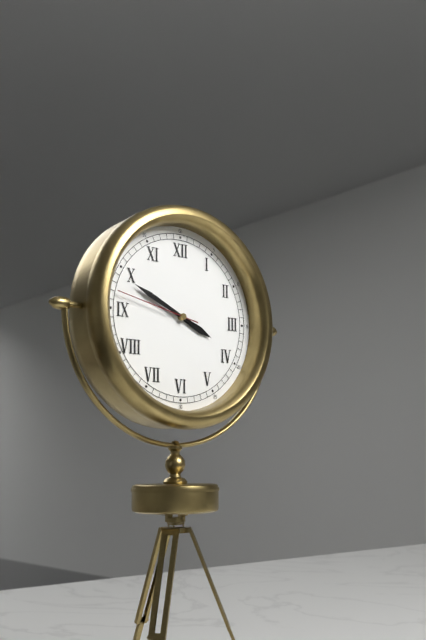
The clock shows 3 h 49 min 47 s
